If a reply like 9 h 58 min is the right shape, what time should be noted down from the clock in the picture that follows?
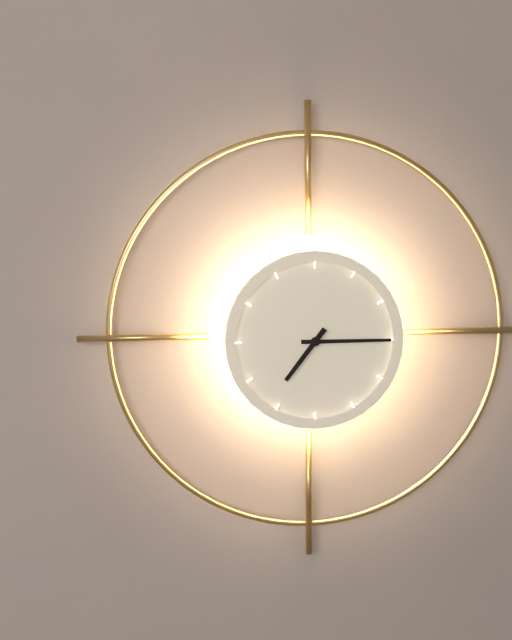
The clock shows 7 h 15 min
